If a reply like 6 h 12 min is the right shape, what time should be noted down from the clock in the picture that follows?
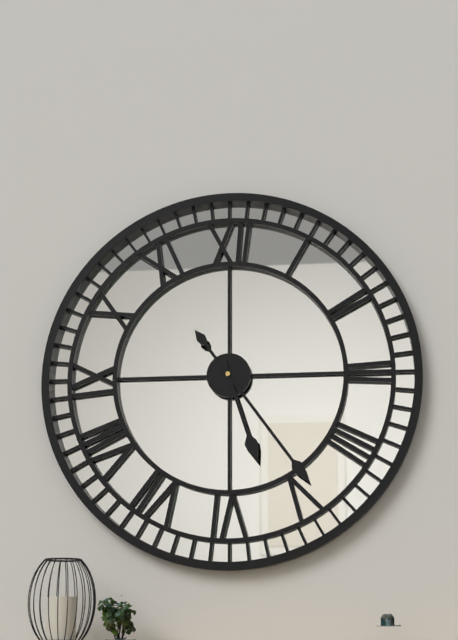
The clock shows 5 h 24 min
